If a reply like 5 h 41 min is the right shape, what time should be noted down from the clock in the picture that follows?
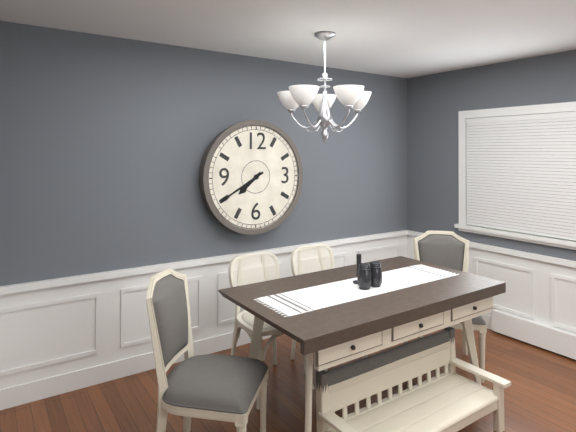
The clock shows 7 h 40 min
